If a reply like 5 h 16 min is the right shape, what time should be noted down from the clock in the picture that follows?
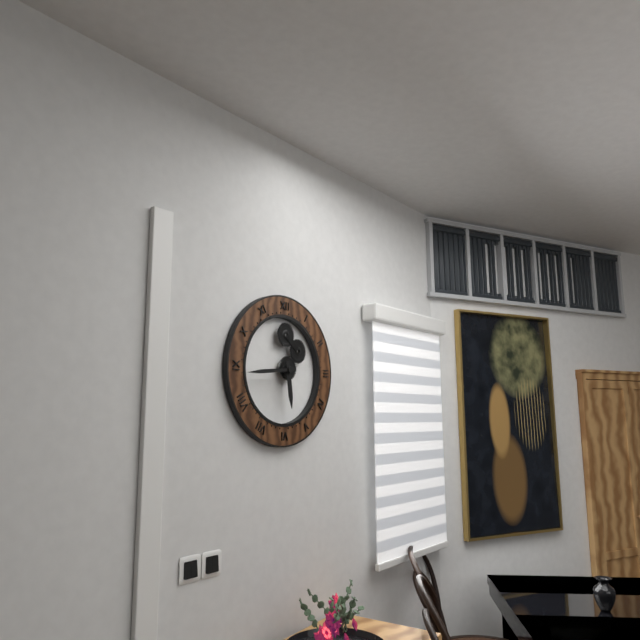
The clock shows 5 h 44 min
